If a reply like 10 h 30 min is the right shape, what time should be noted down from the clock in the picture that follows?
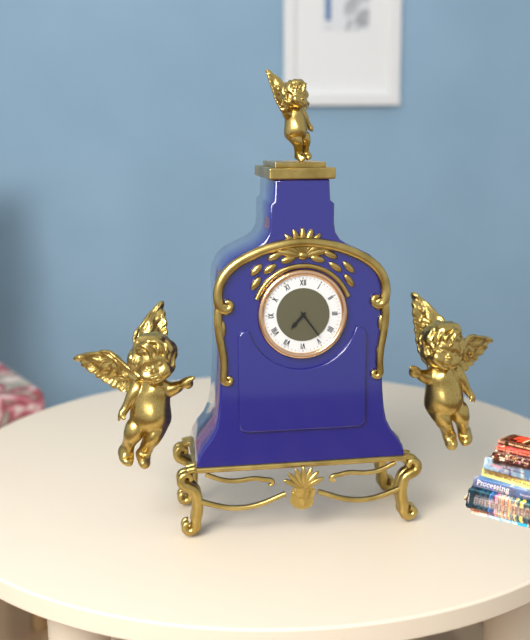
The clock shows 7 h 24 min
